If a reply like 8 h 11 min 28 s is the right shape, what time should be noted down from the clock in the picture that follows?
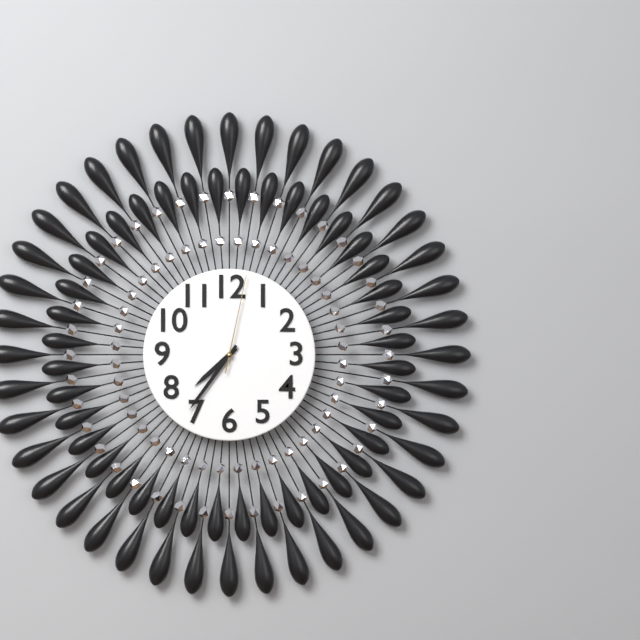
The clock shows 7 h 36 min 02 s
